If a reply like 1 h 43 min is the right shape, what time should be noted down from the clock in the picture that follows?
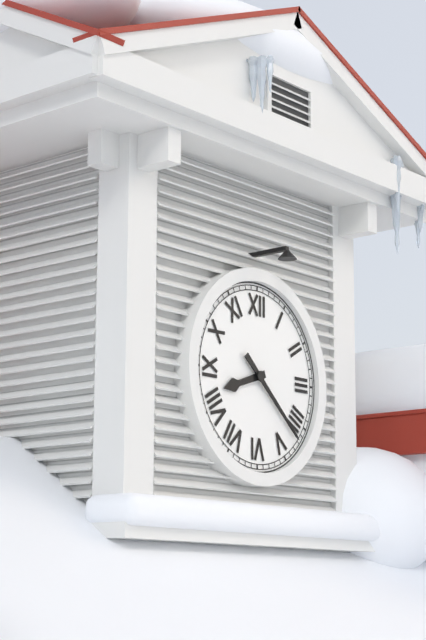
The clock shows 8 h 22 min
